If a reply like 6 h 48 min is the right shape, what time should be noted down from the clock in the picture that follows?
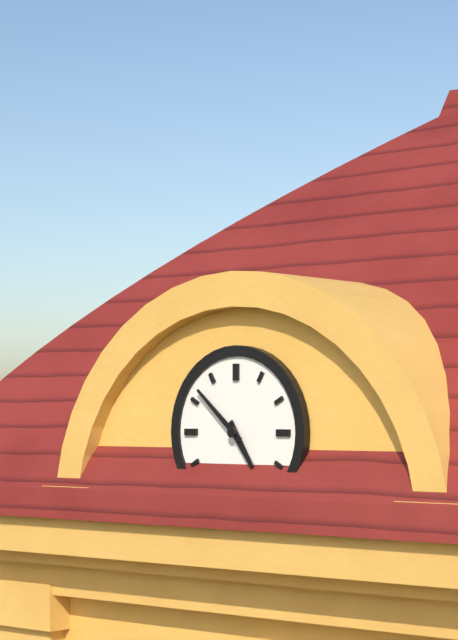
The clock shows 4 h 52 min
